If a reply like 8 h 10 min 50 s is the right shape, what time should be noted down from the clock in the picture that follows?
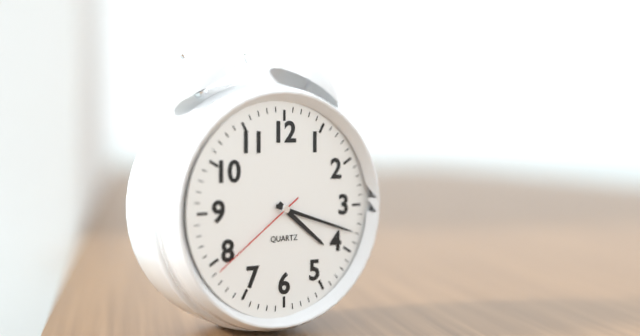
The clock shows 4 h 18 min 39 s
